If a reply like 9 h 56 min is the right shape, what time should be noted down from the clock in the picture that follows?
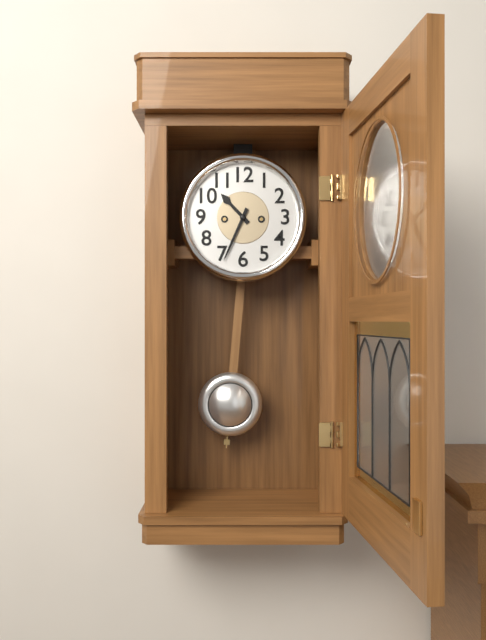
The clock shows 10 h 34 min
